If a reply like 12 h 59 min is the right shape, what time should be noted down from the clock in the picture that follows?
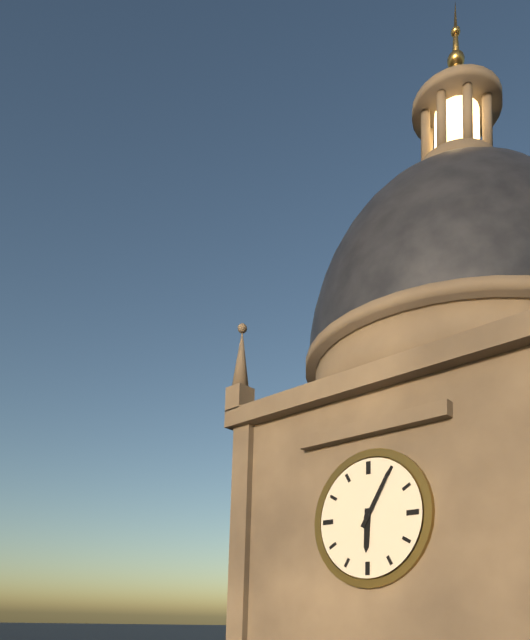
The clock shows 6 h 05 min
